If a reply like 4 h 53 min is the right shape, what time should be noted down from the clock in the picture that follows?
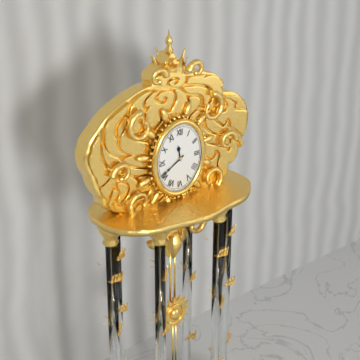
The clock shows 11 h 40 min
